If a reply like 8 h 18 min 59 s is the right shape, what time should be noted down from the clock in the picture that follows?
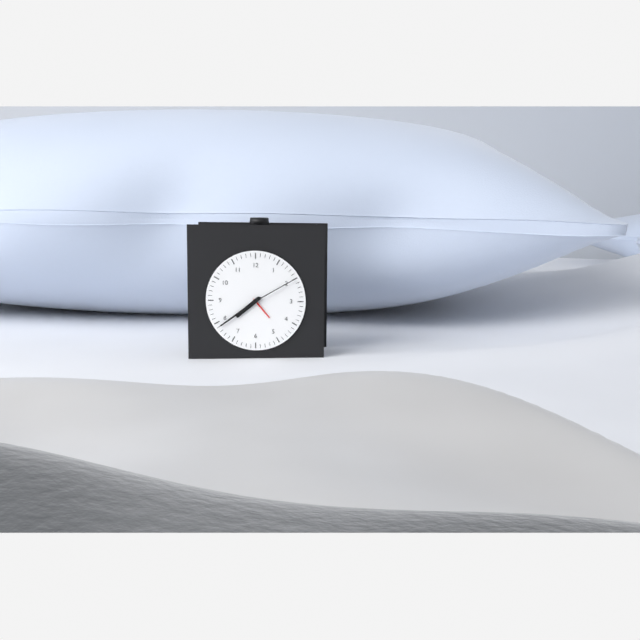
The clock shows 7 h 39 min 10 s
